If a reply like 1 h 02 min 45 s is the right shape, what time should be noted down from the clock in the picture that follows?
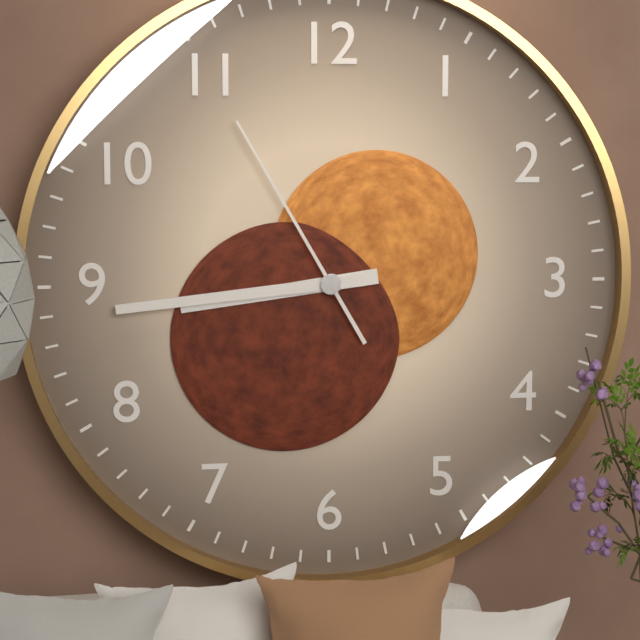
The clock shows 8 h 44 min 55 s
